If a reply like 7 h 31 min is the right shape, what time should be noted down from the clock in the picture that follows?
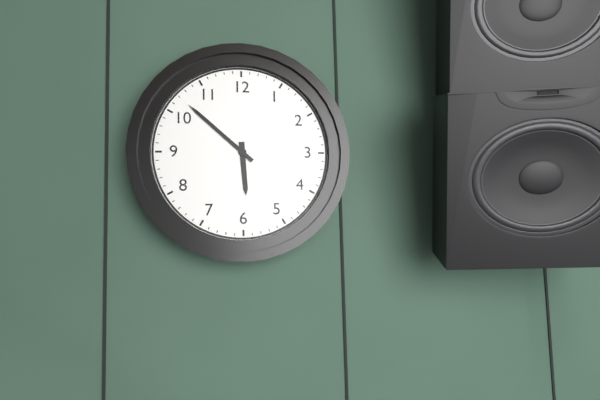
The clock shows 5 h 52 min
